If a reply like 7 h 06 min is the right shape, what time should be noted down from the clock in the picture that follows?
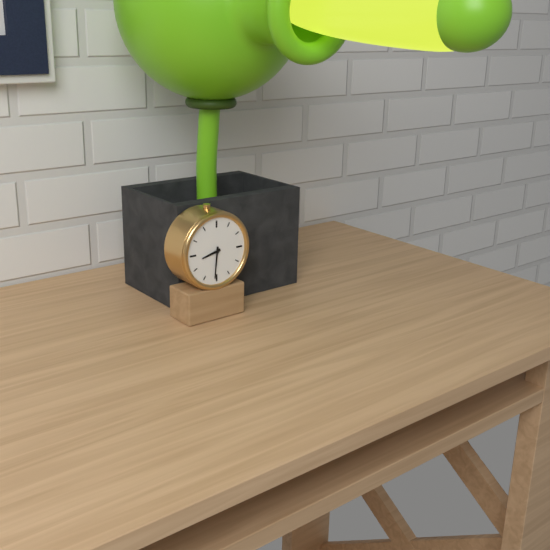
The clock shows 8 h 31 min
